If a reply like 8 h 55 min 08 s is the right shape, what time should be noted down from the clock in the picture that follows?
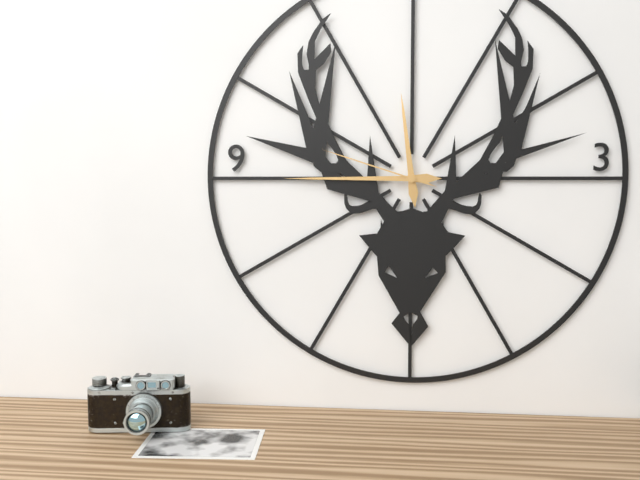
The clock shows 11 h 45 min 48 s
